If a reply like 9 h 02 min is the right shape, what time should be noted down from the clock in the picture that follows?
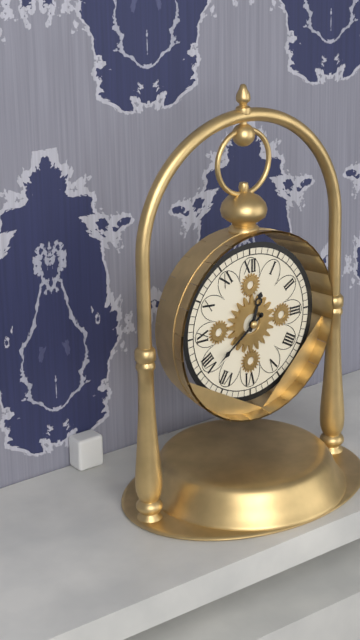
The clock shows 12 h 39 min
